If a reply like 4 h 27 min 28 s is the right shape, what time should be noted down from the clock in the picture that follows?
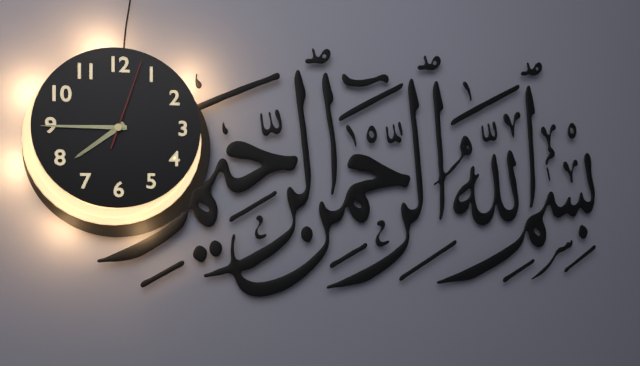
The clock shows 7 h 45 min 03 s
